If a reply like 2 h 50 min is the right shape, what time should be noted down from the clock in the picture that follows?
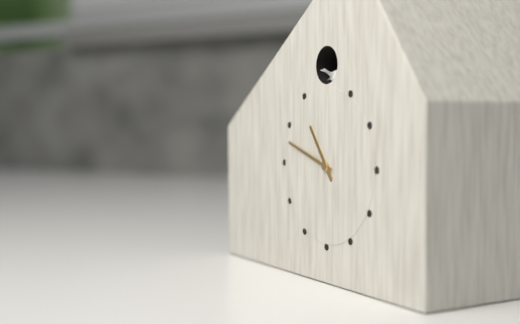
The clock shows 10 h 48 min
